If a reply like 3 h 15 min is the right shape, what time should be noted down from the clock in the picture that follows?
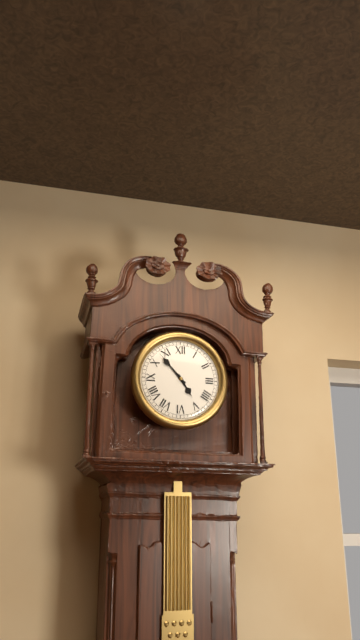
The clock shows 4 h 53 min
